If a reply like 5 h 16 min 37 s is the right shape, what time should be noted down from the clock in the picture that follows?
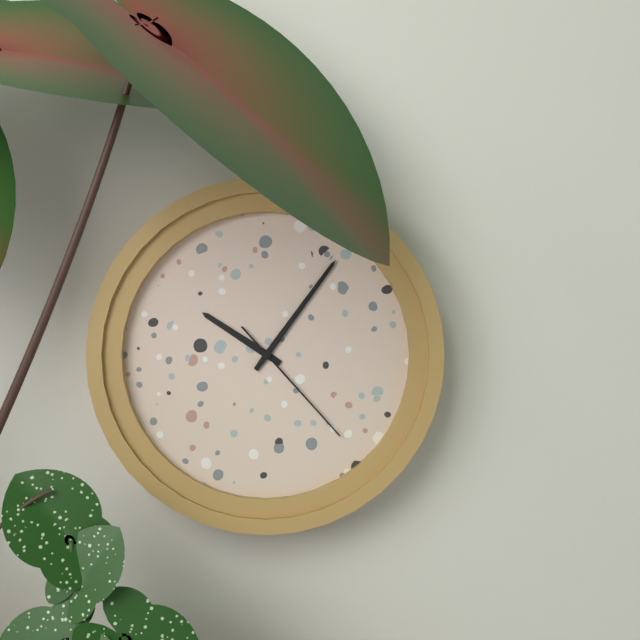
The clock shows 10 h 06 min 23 s
